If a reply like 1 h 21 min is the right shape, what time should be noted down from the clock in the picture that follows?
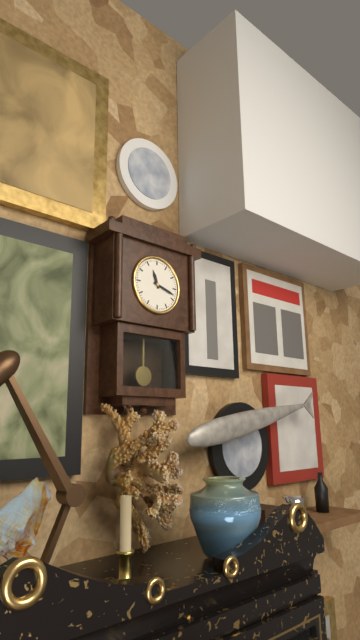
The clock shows 11 h 18 min
